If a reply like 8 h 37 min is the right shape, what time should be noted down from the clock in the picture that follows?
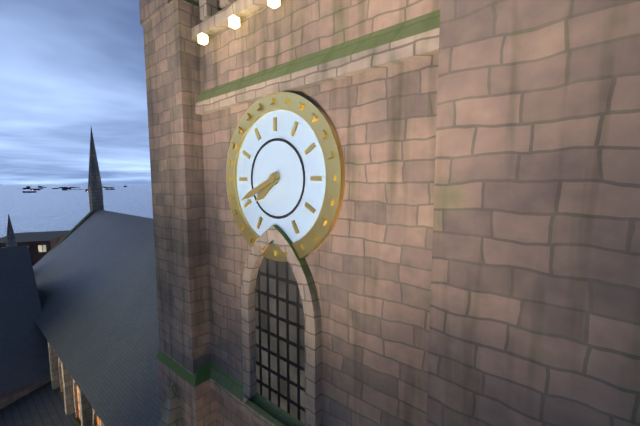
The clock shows 7 h 41 min
